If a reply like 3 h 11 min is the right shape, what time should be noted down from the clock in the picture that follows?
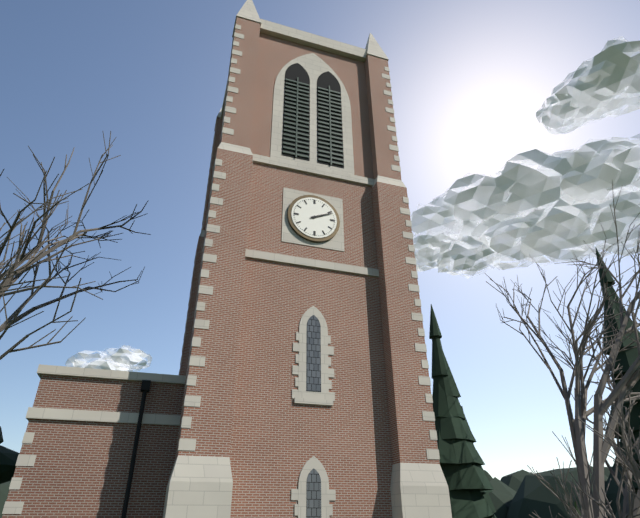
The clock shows 2 h 11 min
